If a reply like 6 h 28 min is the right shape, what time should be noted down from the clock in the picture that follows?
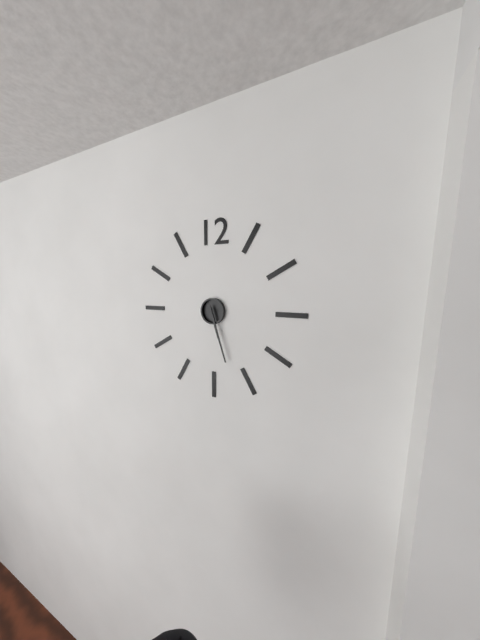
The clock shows 5 h 27 min
